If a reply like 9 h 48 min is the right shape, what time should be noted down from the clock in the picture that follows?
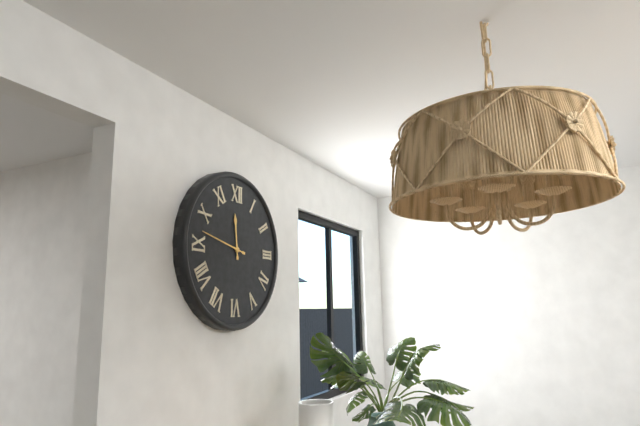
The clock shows 11 h 47 min
